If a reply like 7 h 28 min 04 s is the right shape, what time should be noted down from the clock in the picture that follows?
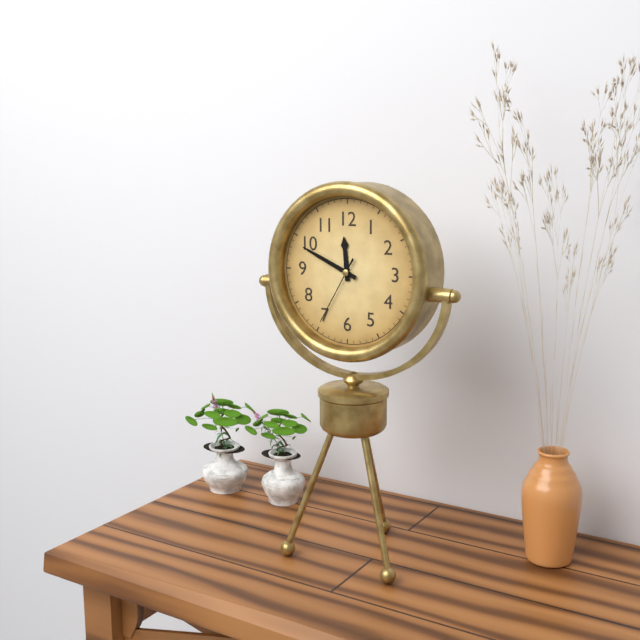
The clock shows 11 h 49 min 35 s
